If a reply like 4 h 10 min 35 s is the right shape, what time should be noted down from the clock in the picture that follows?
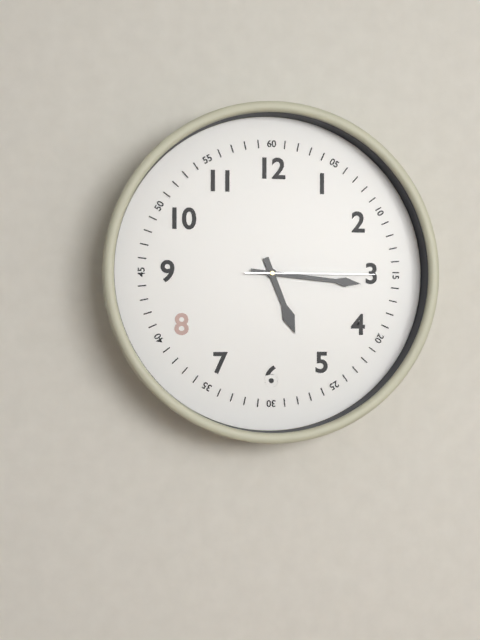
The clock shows 5 h 16 min 15 s
